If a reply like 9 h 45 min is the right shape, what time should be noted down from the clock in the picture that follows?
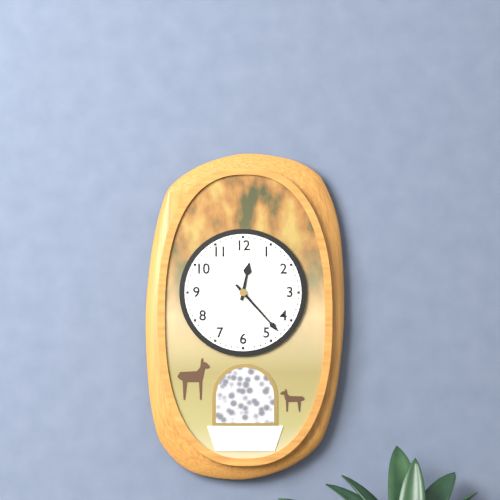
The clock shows 12 h 23 min
